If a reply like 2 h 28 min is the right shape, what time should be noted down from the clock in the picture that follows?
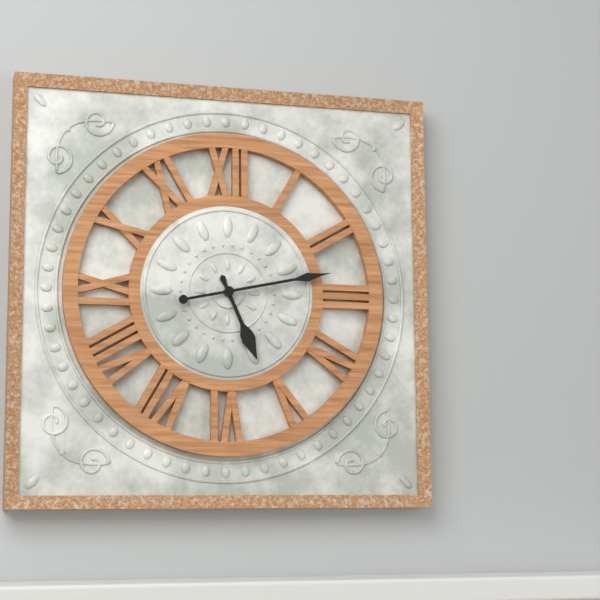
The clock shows 5 h 13 min
